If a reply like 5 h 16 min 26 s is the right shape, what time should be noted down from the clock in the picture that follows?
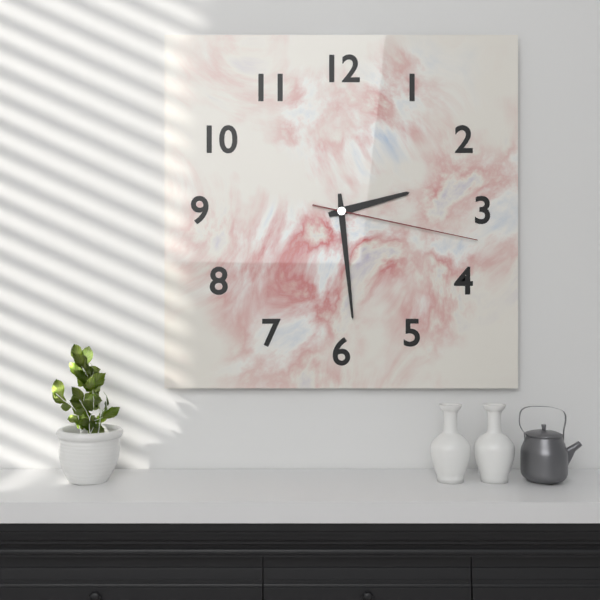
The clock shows 2 h 29 min 17 s
